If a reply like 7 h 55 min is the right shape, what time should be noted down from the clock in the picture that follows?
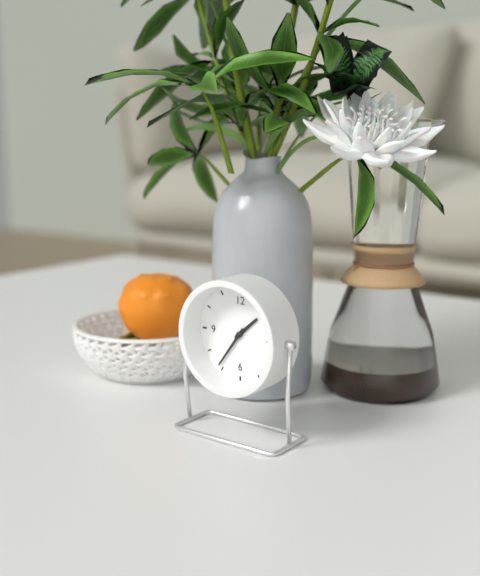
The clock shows 1 h 36 min
